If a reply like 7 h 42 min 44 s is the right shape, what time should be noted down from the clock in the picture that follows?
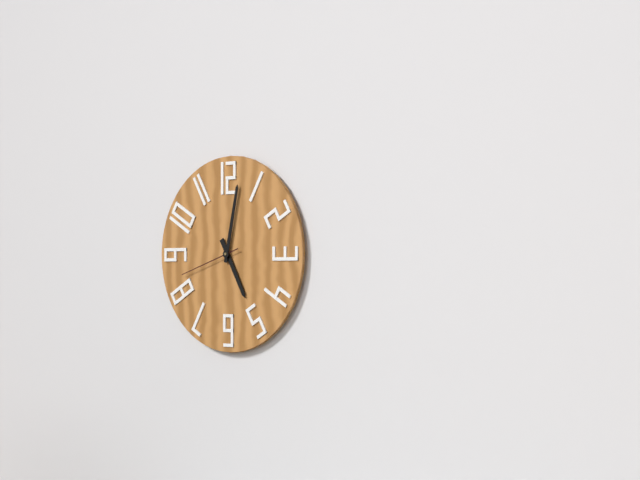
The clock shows 5 h 02 min 42 s
